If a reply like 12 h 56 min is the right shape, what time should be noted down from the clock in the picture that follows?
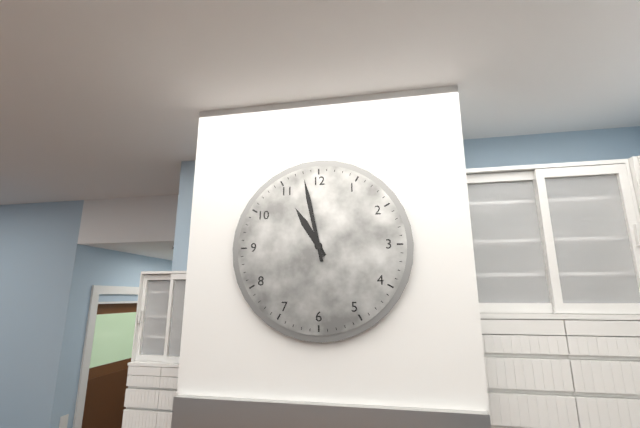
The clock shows 10 h 58 min
